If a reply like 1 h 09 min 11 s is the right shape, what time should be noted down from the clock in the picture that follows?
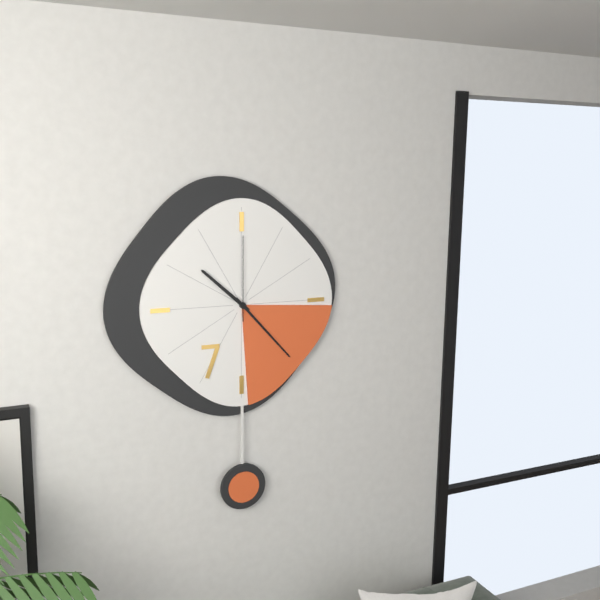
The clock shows 10 h 23 min 00 s
